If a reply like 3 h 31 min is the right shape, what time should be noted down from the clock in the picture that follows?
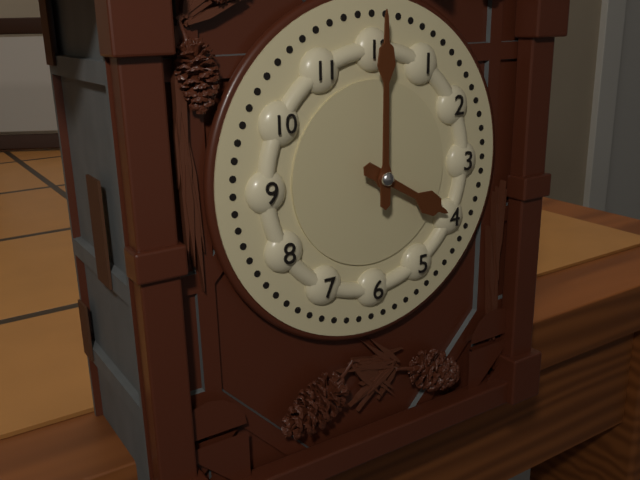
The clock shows 4 h 00 min
